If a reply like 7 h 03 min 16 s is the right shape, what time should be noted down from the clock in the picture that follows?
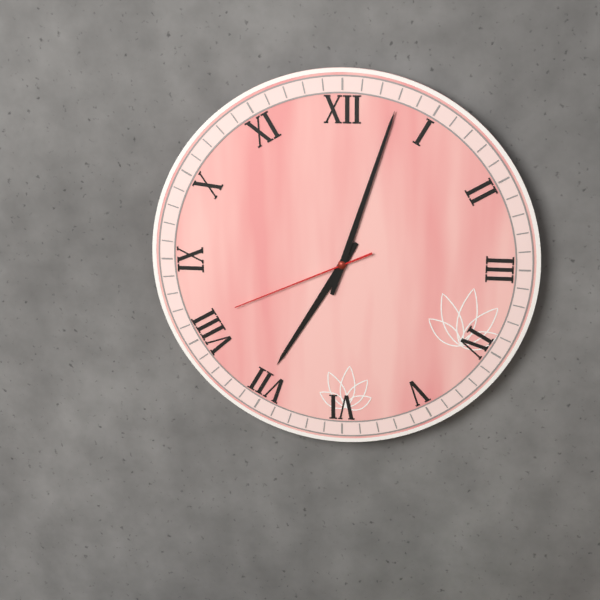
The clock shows 7 h 03 min 41 s
